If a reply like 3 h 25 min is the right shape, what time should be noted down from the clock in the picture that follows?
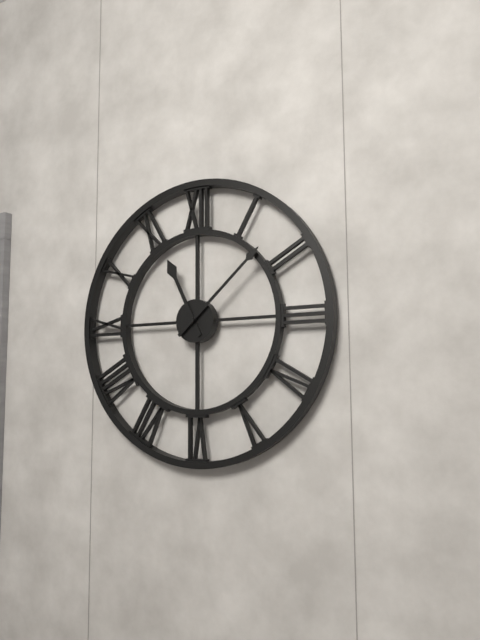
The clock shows 11 h 08 min
